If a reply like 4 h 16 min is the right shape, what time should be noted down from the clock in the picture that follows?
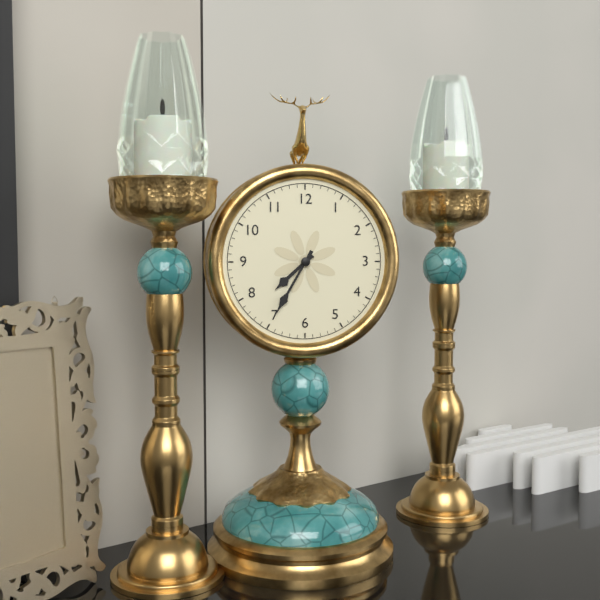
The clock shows 7 h 35 min
